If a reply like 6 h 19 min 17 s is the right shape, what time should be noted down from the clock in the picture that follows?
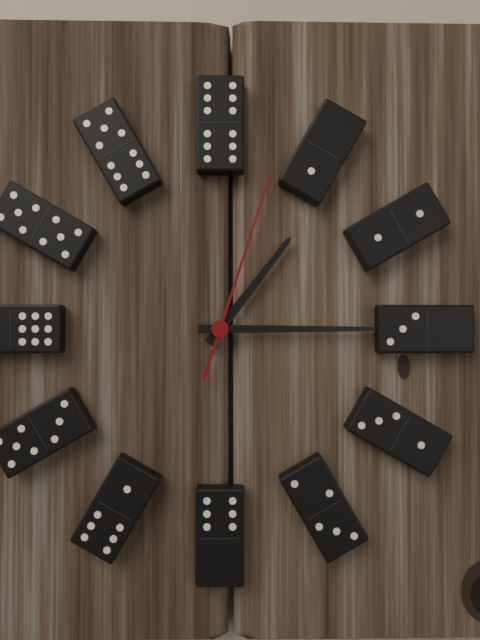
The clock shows 1 h 15 min 03 s
